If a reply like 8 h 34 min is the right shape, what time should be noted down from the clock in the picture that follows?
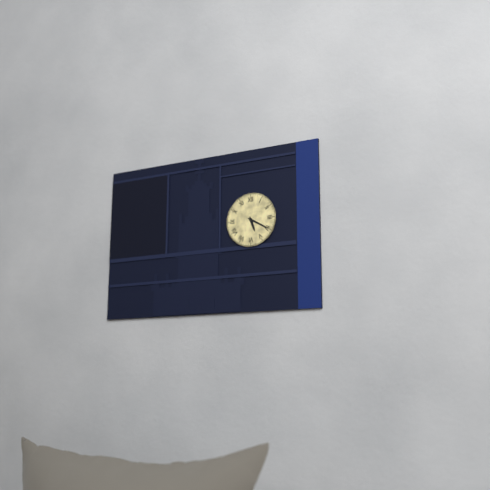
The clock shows 5 h 20 min
